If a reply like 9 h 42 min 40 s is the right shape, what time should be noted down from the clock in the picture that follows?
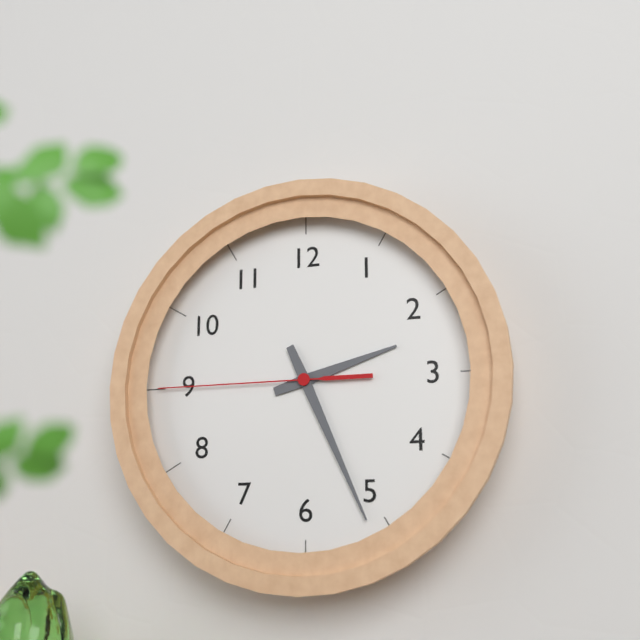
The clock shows 2 h 26 min 45 s
